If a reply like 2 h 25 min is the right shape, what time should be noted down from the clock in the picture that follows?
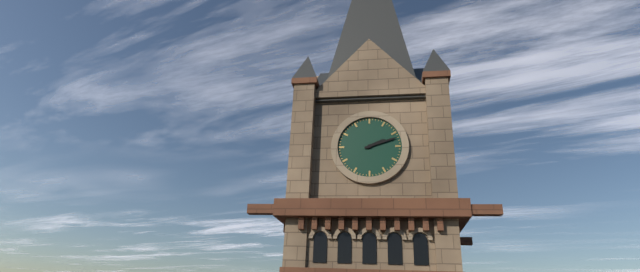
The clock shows 2 h 12 min
